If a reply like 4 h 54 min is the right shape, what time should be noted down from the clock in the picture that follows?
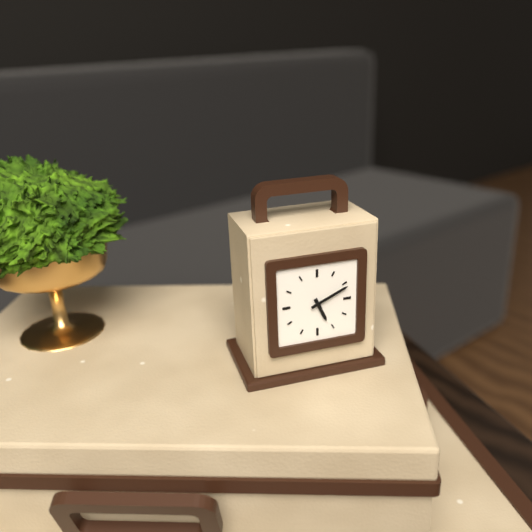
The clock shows 5 h 11 min
